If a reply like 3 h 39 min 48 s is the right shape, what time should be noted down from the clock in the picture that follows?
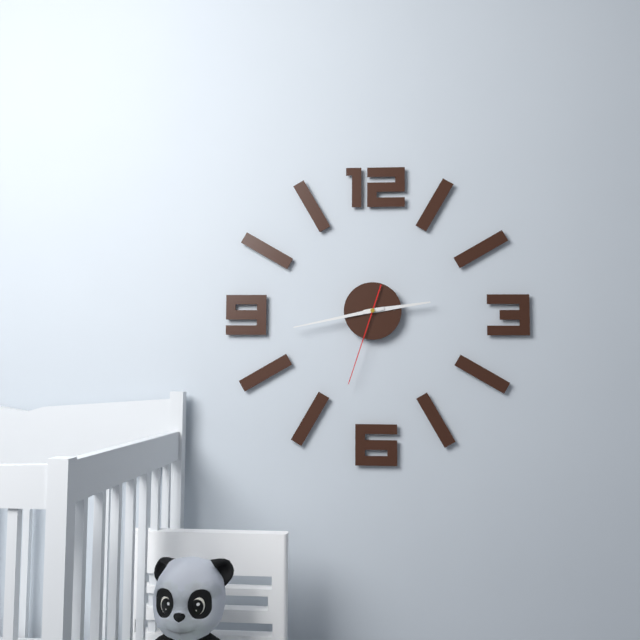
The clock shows 2 h 43 min 33 s
